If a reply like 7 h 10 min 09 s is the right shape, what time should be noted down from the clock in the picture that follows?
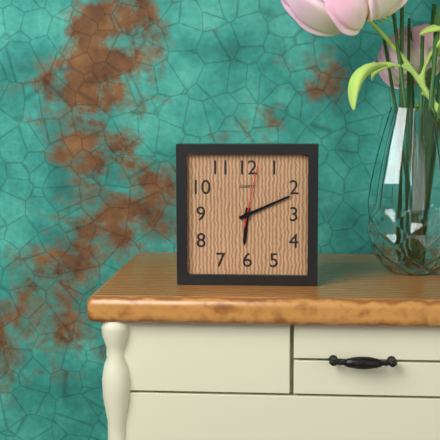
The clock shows 6 h 11 min 02 s
